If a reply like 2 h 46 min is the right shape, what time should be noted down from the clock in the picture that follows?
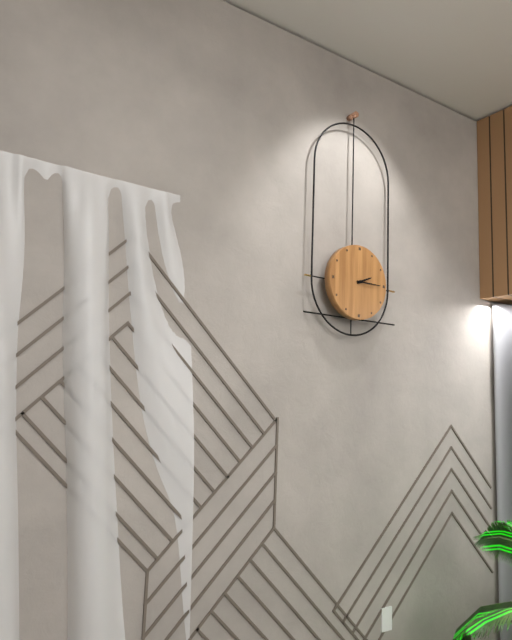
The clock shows 2 h 15 min
